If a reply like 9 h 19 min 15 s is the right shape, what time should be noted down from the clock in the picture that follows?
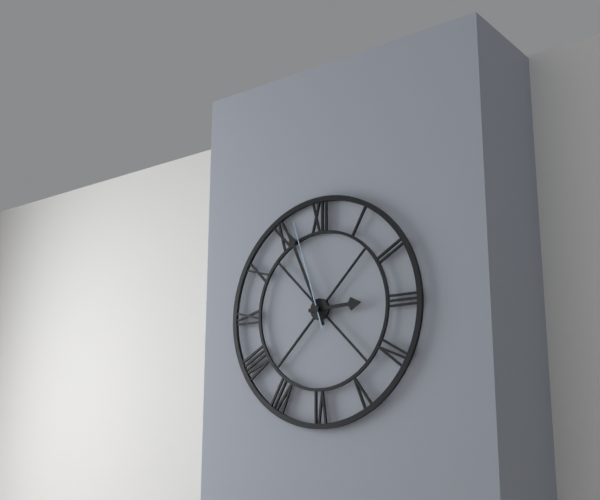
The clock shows 2 h 56 min 57 s
